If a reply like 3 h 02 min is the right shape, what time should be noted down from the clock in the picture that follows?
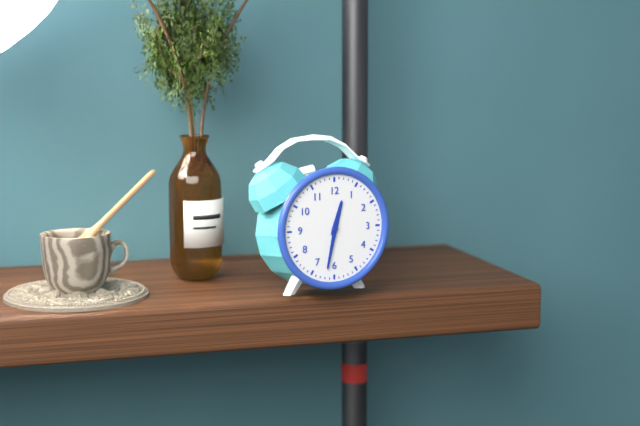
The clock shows 12 h 32 min
